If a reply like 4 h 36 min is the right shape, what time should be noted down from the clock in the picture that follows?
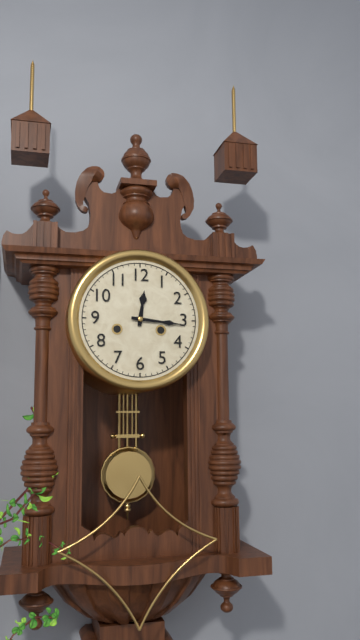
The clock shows 12 h 16 min
